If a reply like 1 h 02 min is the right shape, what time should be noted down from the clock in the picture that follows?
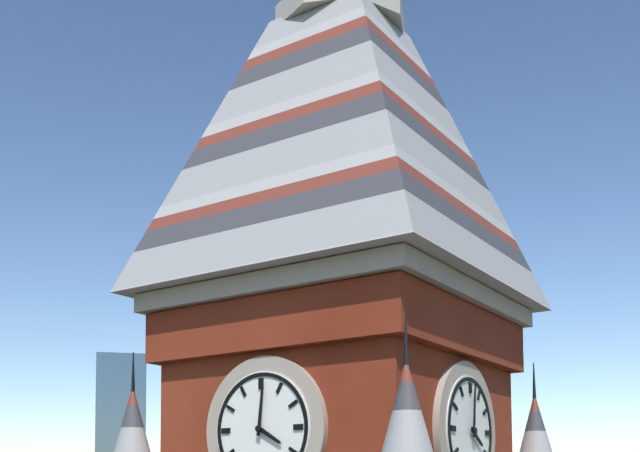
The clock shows 4 h 01 min
